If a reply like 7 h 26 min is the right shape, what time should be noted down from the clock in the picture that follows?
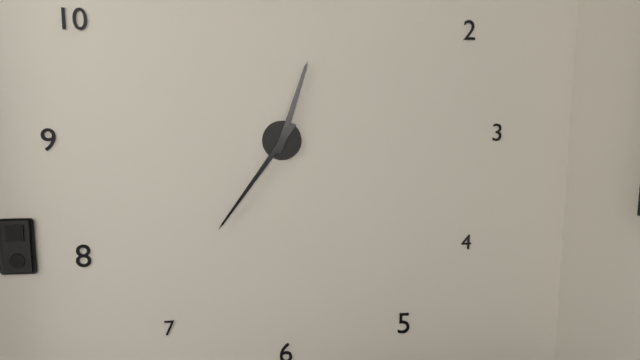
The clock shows 12 h 36 min
